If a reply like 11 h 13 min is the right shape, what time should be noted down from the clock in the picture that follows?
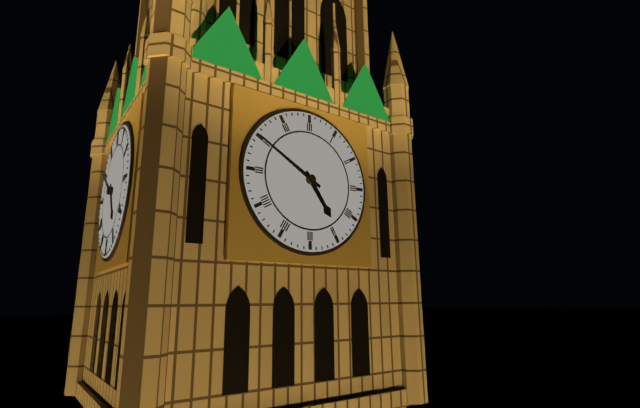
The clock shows 4 h 50 min
